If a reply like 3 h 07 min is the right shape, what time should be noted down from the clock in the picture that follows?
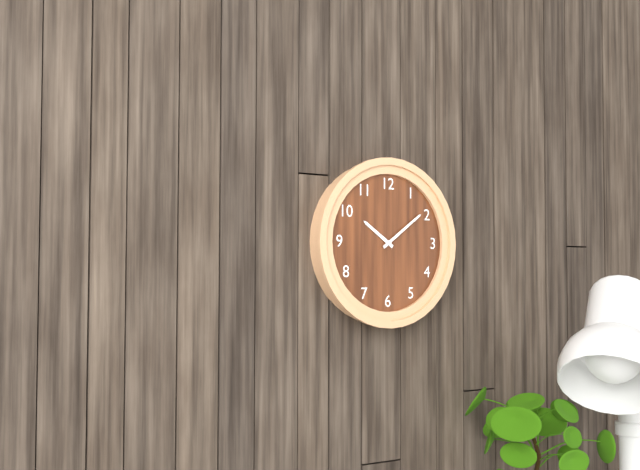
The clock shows 10 h 09 min
